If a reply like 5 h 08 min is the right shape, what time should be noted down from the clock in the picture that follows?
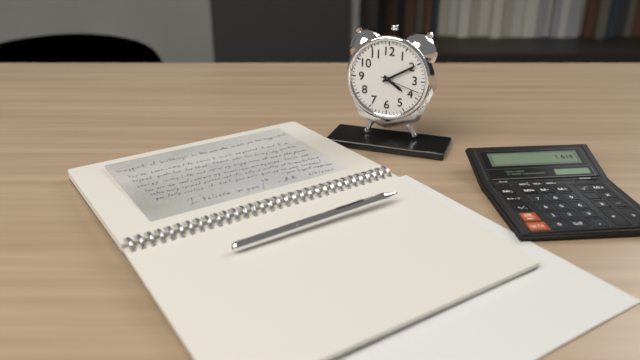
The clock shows 4 h 10 min
